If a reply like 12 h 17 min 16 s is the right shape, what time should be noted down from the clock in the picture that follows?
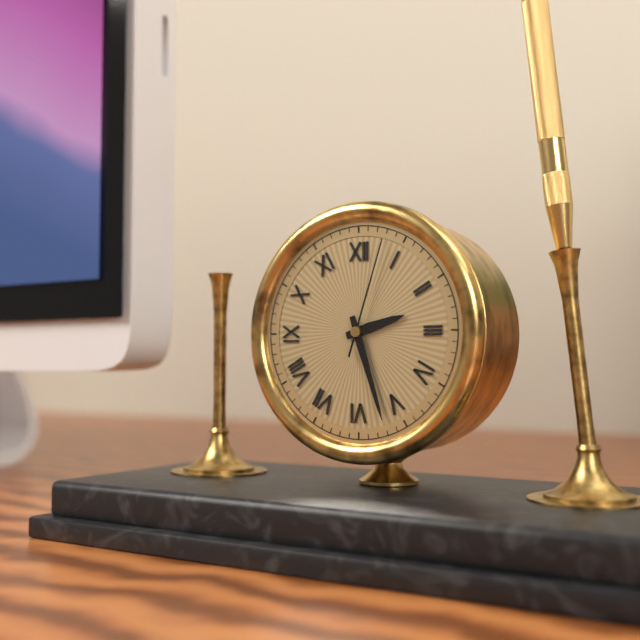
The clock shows 2 h 27 min 03 s
